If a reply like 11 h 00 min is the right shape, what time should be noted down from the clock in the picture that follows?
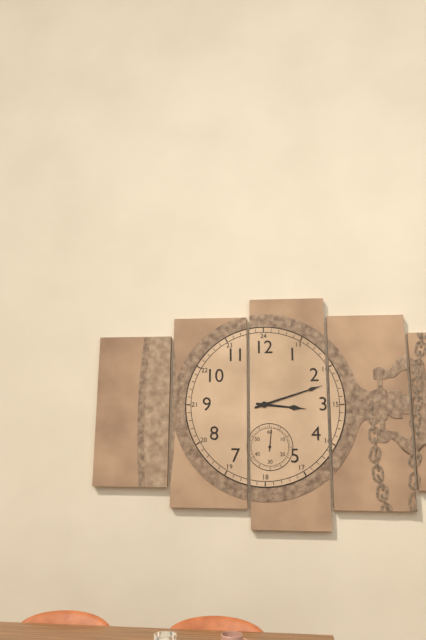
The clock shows 3 h 12 min
